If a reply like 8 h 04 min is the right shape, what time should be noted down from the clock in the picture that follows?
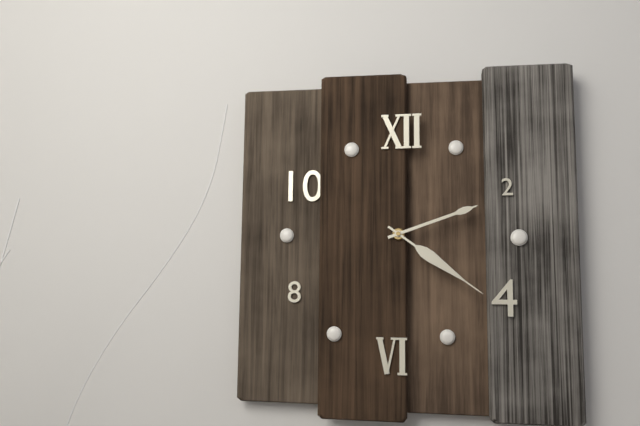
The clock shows 2 h 21 min
